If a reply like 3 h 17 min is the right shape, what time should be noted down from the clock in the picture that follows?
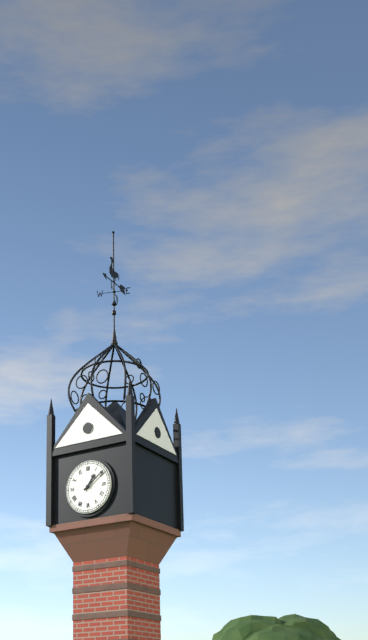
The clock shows 1 h 09 min
